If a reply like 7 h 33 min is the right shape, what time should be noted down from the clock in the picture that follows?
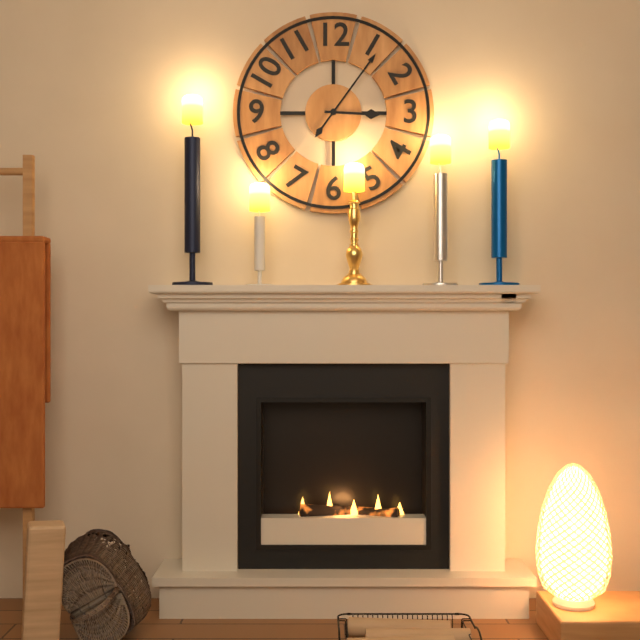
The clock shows 3 h 06 min
